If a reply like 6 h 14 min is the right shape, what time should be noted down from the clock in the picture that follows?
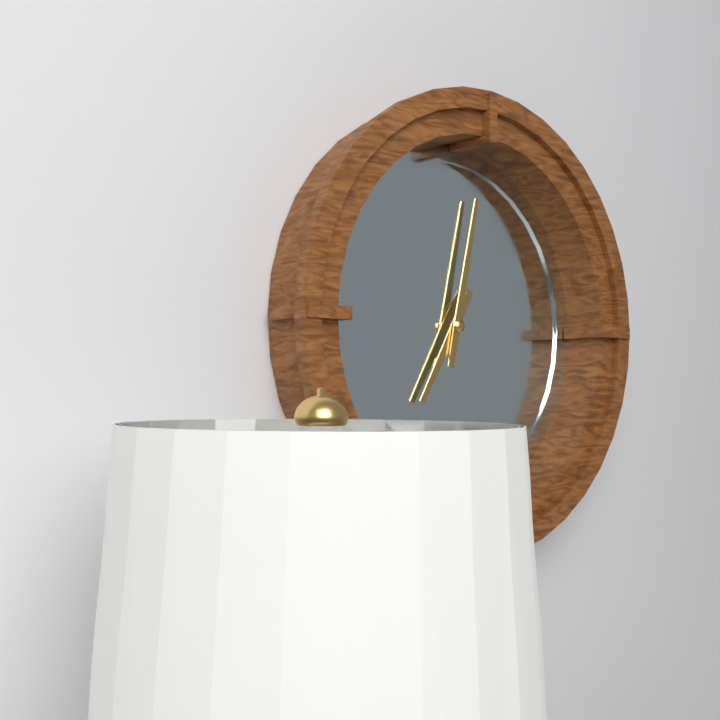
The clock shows 7 h 02 min
